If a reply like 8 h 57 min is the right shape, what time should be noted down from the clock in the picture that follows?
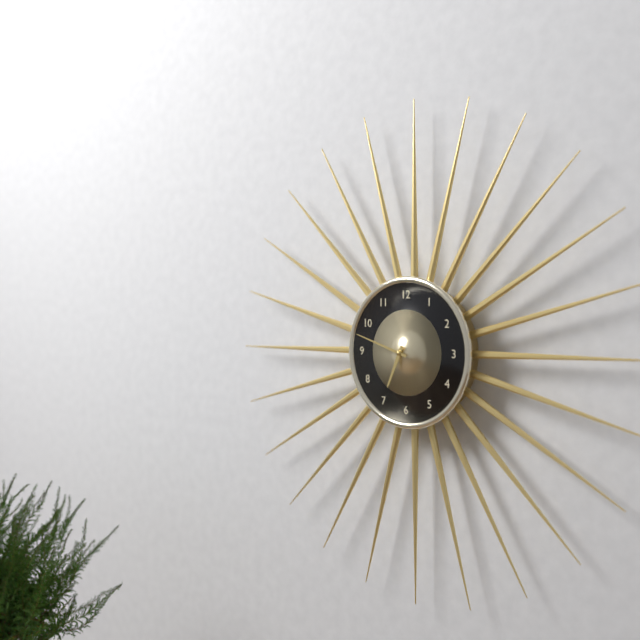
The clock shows 6 h 48 min
